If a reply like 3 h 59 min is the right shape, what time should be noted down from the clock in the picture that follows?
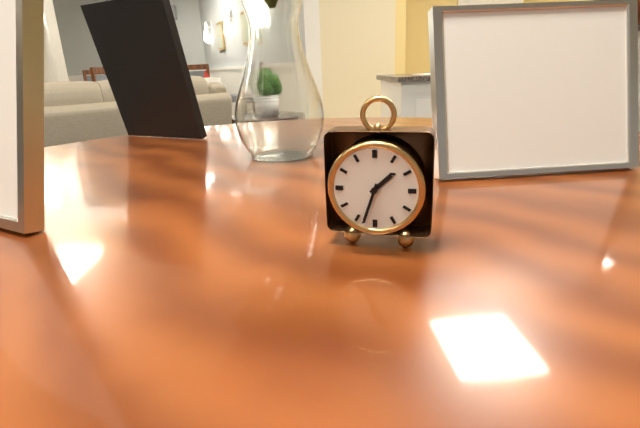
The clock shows 1 h 33 min
